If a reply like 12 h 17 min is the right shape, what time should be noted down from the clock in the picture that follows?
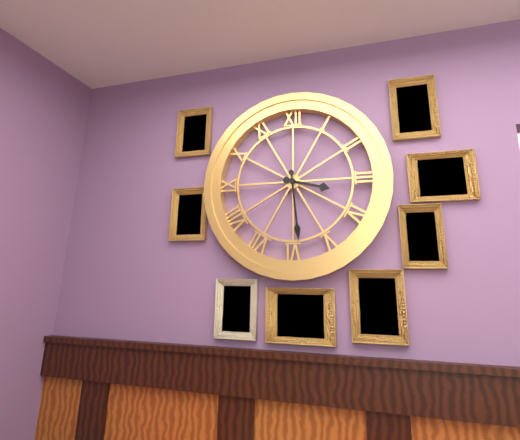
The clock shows 3 h 29 min
